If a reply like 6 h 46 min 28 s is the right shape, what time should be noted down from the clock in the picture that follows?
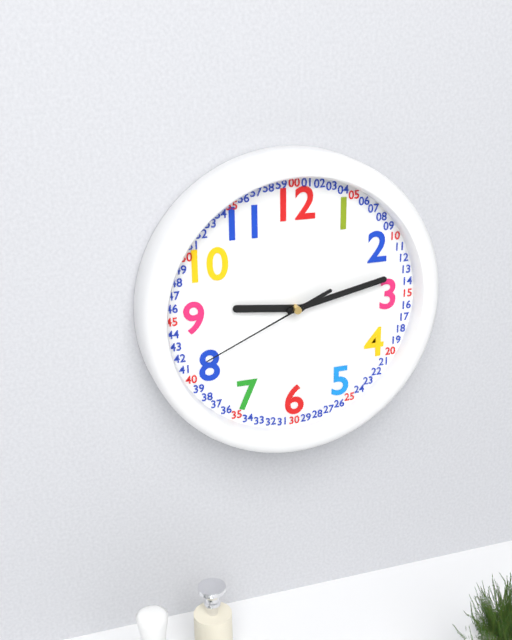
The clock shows 9 h 13 min 41 s
